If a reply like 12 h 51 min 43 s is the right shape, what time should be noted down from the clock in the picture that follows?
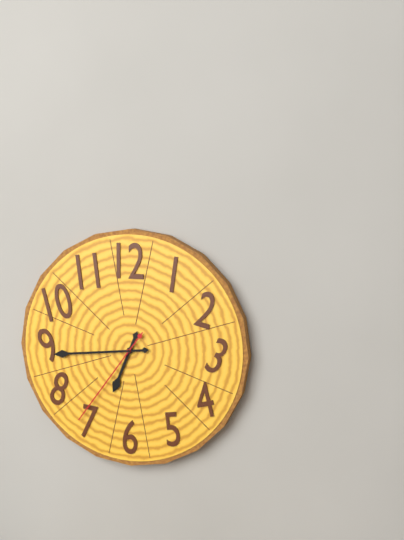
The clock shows 6 h 44 min 36 s
